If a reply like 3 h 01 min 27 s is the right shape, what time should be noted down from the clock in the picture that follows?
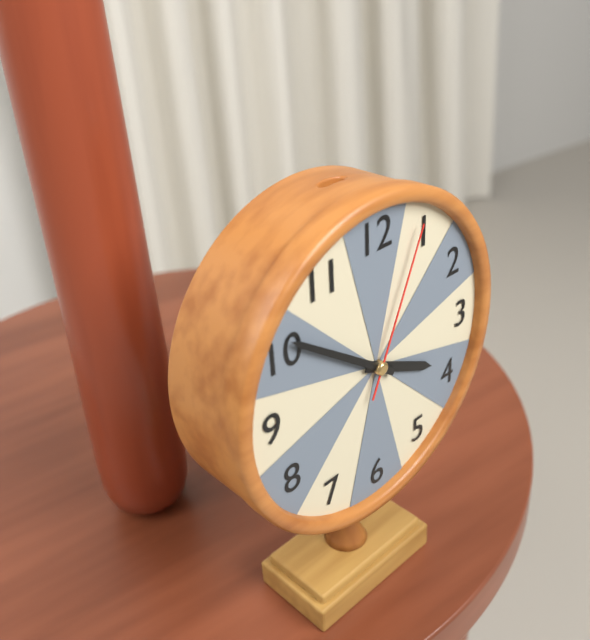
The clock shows 3 h 51 min 04 s
